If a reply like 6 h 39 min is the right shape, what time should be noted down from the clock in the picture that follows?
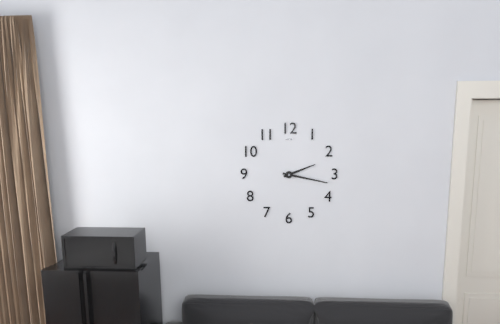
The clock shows 2 h 17 min
